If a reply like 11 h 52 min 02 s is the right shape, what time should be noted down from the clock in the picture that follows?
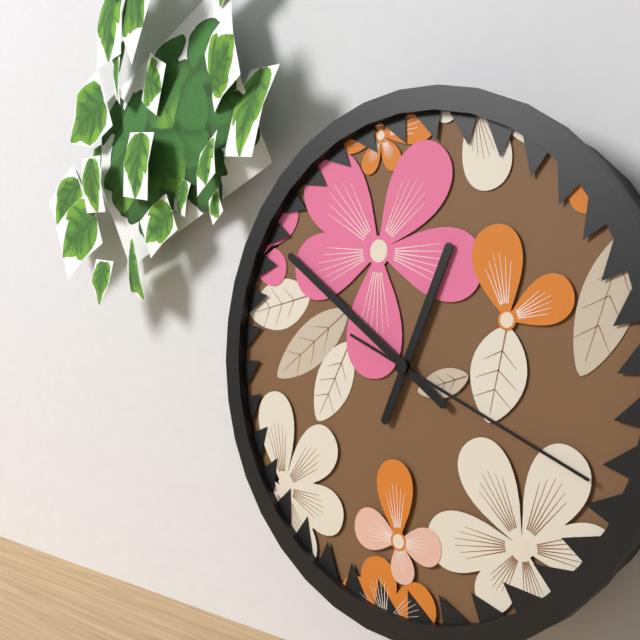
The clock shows 12 h 51 min 19 s
